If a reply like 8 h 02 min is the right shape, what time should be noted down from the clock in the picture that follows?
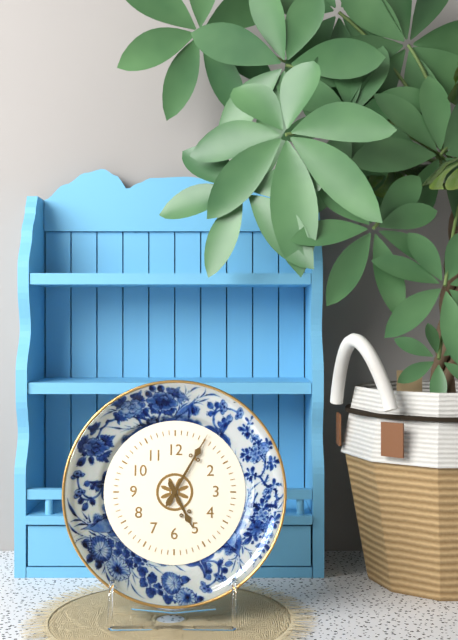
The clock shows 5 h 05 min
